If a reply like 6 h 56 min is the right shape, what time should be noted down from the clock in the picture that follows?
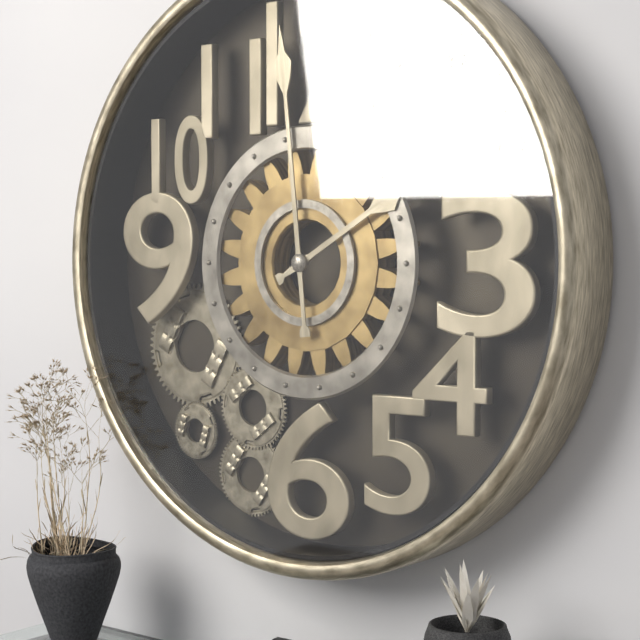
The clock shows 1 h 59 min
